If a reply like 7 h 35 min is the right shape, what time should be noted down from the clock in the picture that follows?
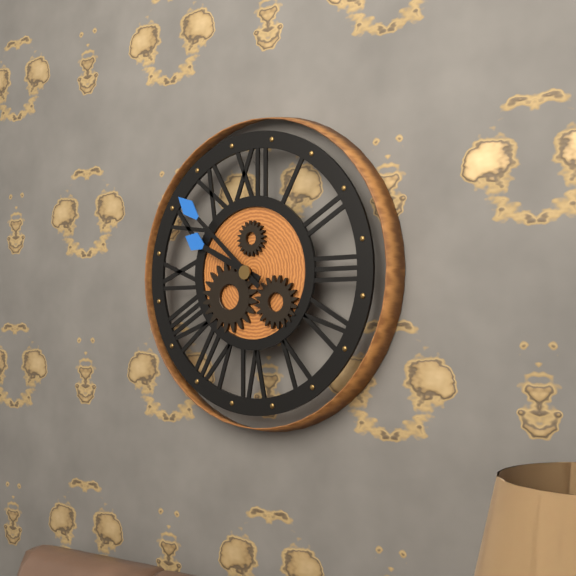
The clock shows 9 h 52 min
